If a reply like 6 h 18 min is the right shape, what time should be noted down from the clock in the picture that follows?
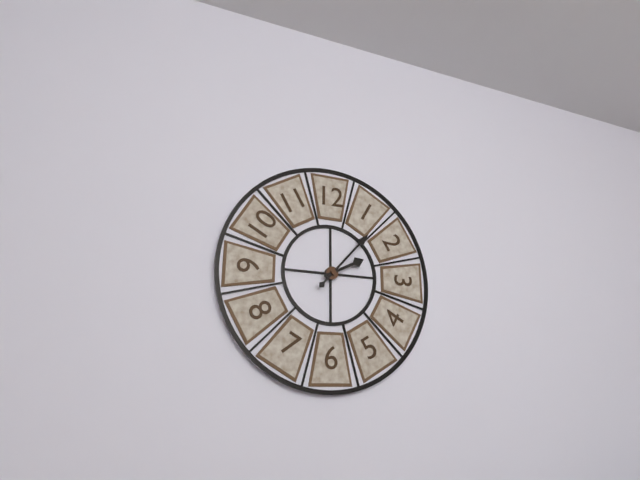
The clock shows 2 h 07 min
